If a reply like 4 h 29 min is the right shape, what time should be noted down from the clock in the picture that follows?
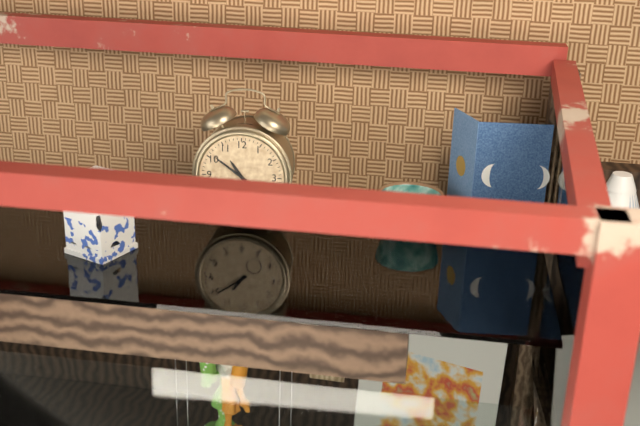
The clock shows 10 h 51 min
